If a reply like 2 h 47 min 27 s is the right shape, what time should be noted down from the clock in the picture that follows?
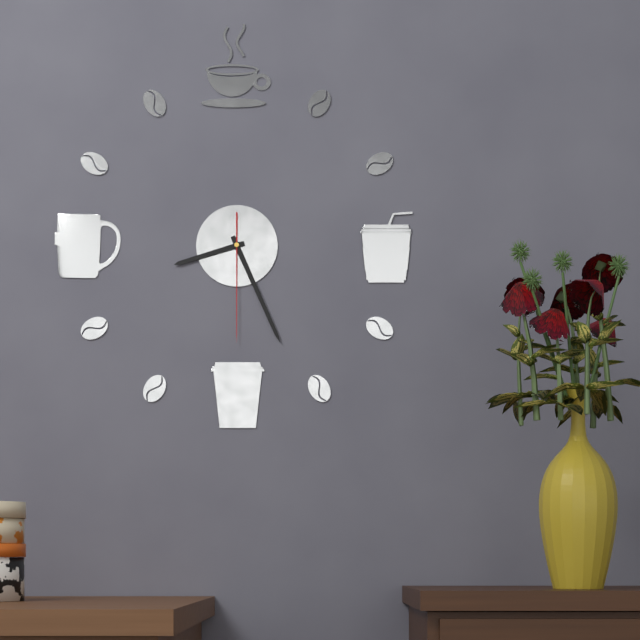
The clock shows 8 h 26 min 30 s
